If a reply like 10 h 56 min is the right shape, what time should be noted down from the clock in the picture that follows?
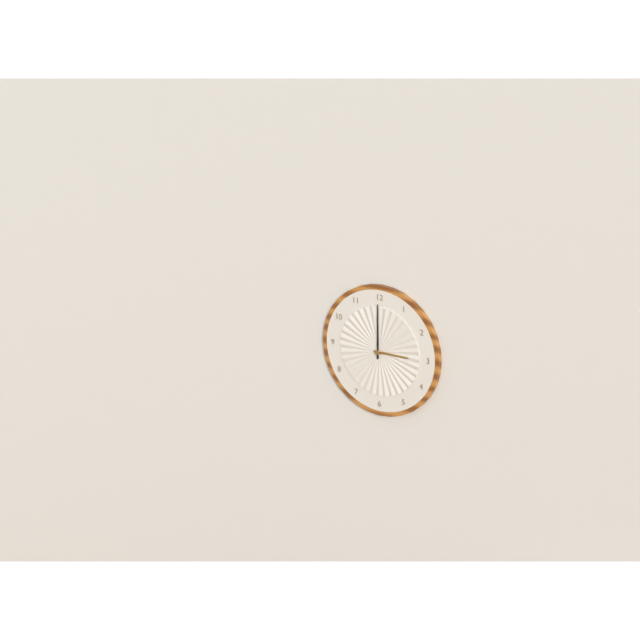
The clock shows 3 h 00 min
